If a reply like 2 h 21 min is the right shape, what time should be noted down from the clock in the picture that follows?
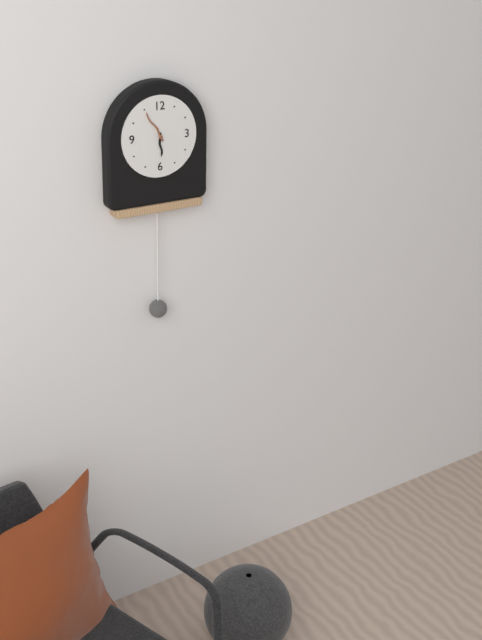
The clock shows 5 h 55 min
